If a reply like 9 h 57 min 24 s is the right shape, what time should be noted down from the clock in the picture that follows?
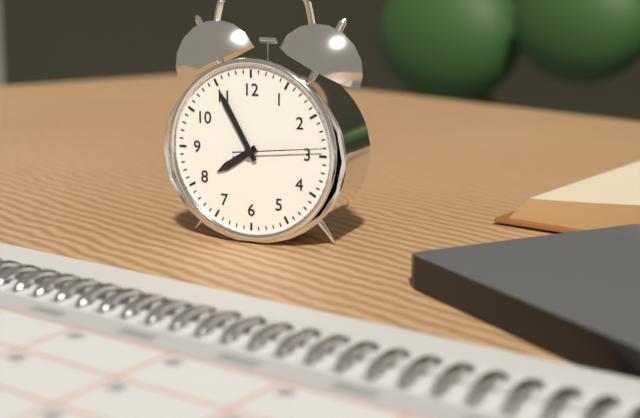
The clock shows 7 h 55 min 14 s
